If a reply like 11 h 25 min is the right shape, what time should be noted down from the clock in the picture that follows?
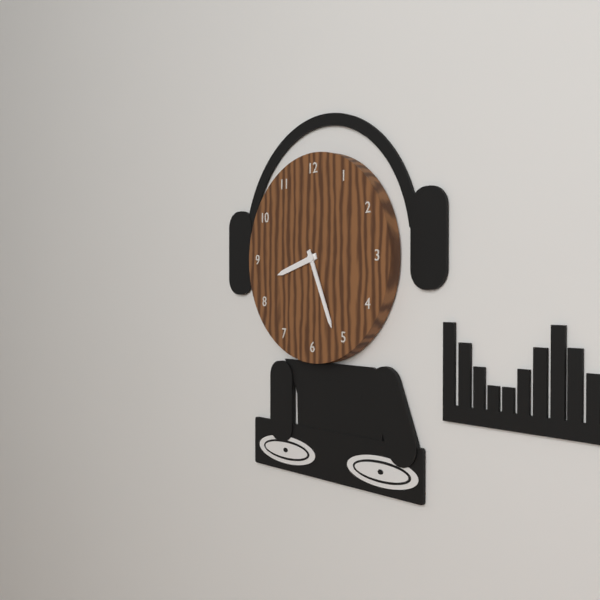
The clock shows 8 h 26 min
